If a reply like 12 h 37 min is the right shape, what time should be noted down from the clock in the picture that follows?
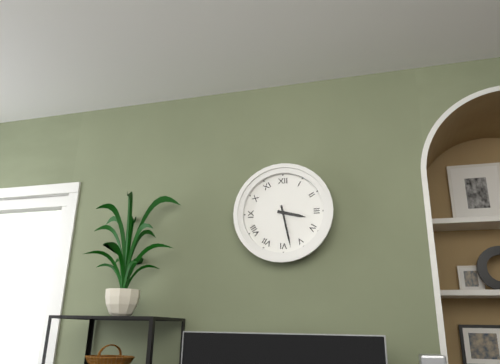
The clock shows 3 h 28 min
